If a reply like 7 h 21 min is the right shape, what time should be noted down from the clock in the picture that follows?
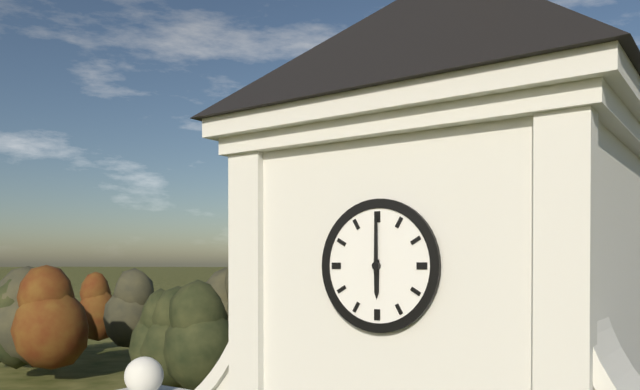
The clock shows 6 h 00 min
